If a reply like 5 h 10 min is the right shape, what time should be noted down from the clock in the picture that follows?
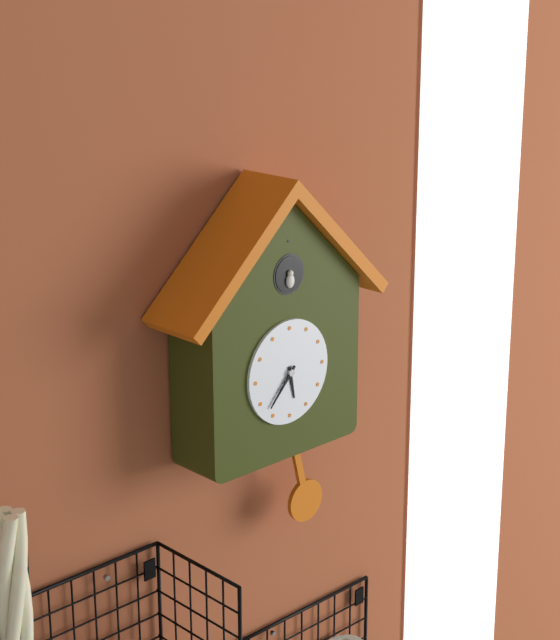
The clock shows 5 h 37 min
